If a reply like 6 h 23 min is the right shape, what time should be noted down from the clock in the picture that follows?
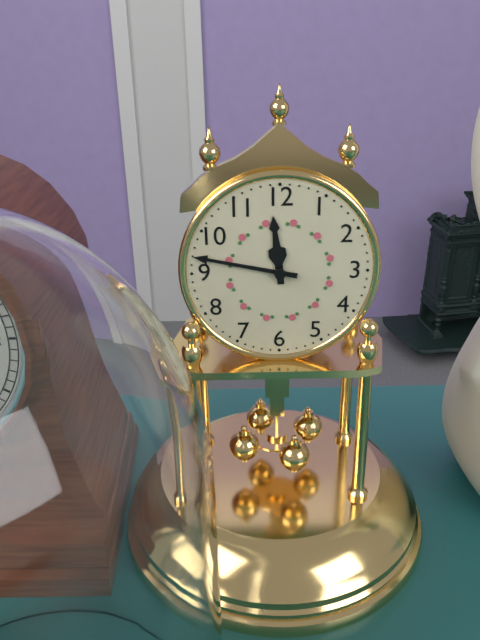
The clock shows 11 h 47 min
